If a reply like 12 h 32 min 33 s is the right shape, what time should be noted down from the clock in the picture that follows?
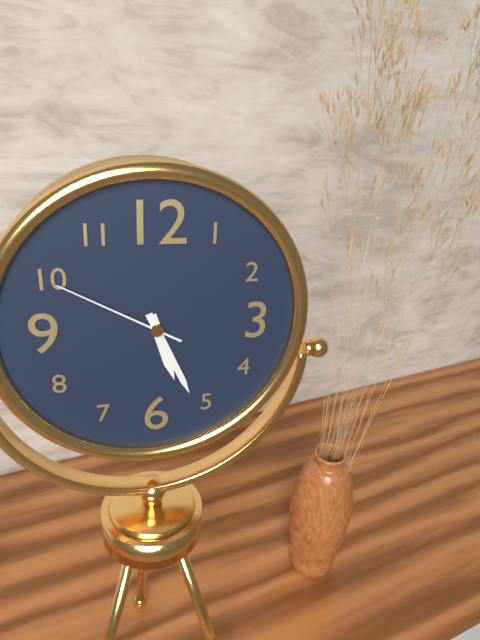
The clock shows 5 h 26 min 50 s
